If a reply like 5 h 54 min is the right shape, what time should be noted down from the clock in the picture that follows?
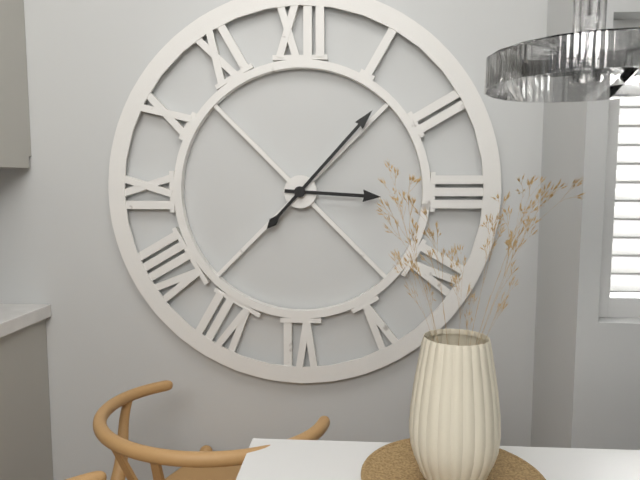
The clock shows 3 h 07 min
